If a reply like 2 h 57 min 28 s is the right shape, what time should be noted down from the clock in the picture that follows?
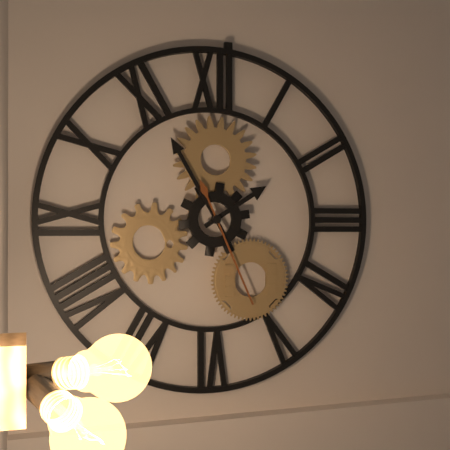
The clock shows 1 h 55 min 26 s
